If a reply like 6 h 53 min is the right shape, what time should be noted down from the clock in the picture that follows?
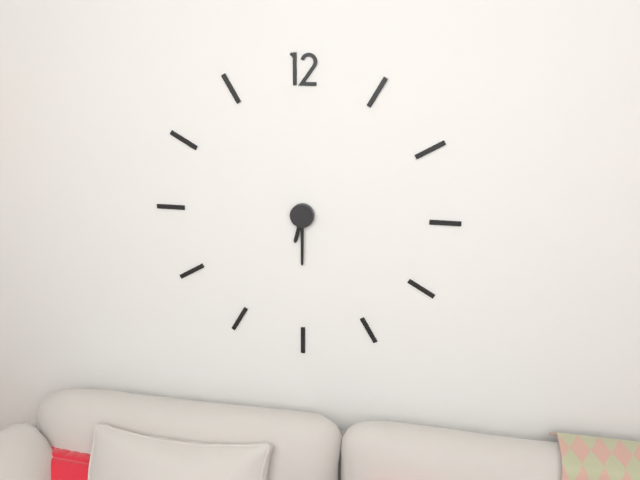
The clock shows 6 h 30 min
